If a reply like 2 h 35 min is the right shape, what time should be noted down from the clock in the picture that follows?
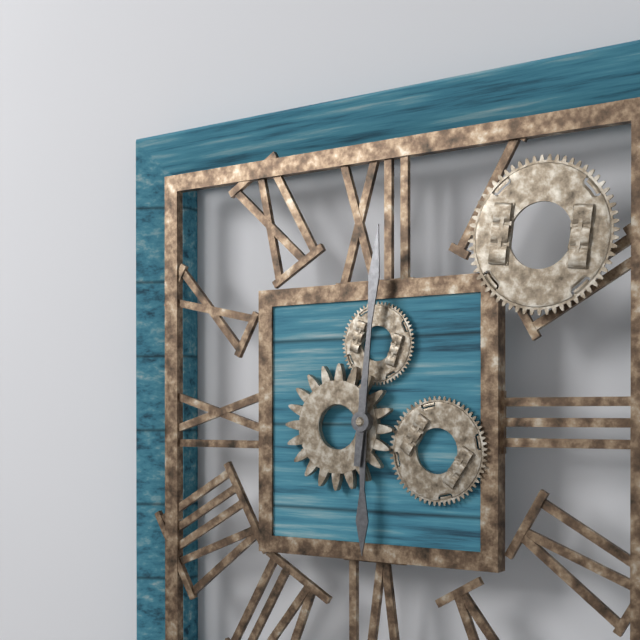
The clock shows 6 h 01 min
